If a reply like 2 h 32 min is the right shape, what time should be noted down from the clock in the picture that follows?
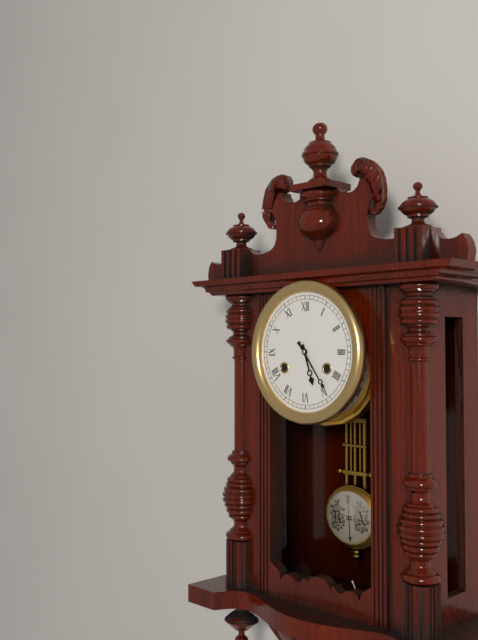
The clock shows 5 h 24 min
